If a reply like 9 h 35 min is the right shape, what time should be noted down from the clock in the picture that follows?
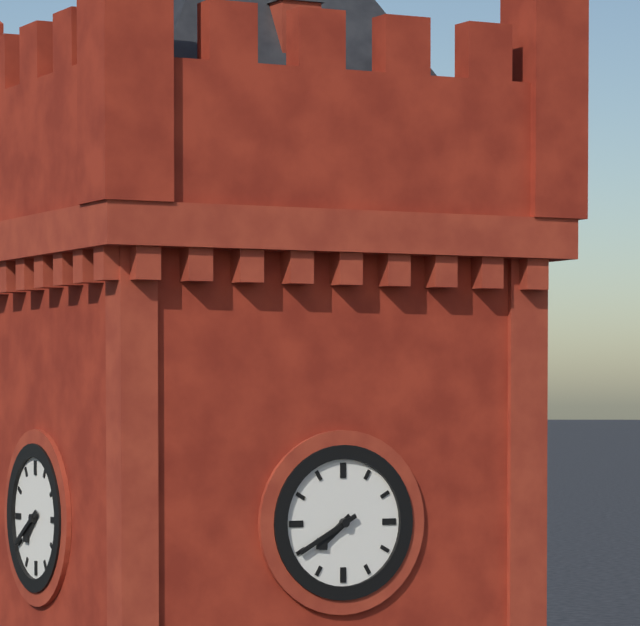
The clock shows 7 h 40 min
